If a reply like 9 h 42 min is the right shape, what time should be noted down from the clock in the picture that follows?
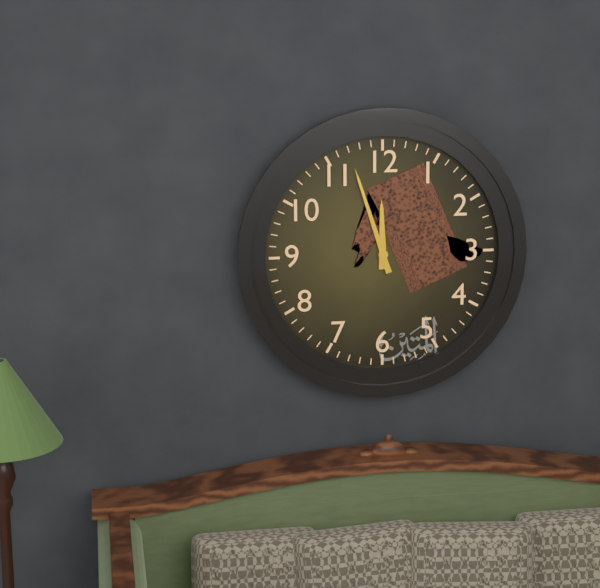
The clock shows 11 h 57 min
